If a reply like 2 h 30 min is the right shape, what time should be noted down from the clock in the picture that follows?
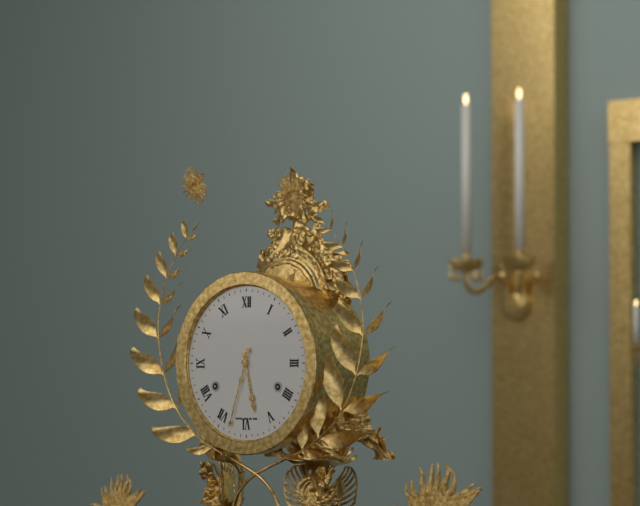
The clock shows 5 h 33 min
